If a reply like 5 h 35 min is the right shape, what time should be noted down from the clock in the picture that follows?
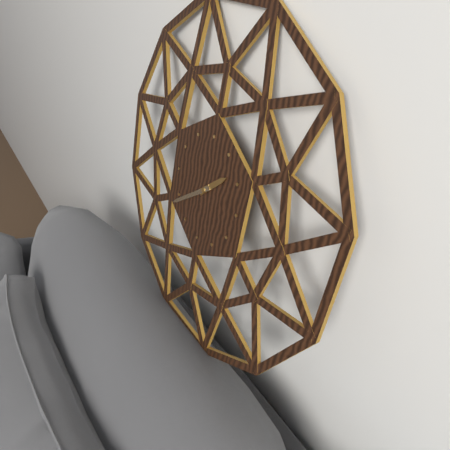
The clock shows 1 h 39 min
